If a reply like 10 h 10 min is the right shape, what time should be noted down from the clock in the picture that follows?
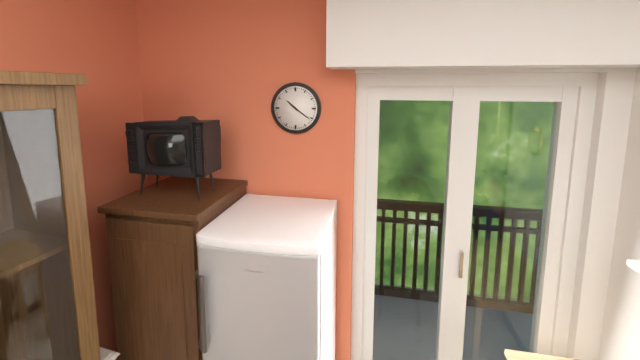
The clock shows 10 h 21 min
